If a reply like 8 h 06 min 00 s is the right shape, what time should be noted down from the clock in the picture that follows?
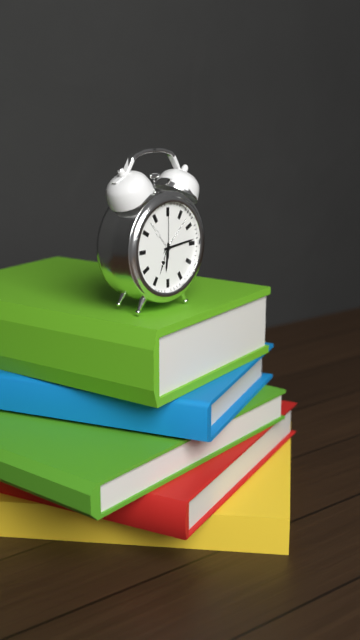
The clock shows 6 h 14 min 00 s
